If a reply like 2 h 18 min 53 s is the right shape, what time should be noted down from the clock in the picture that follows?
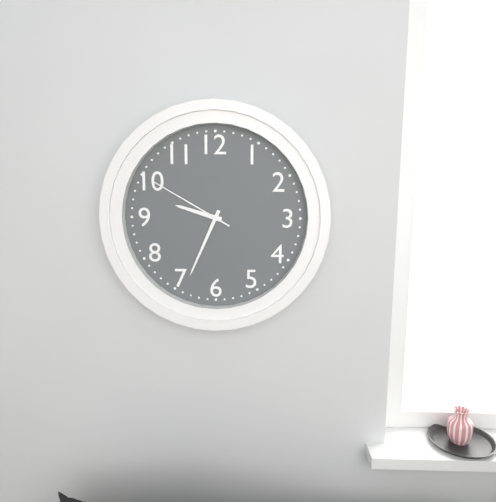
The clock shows 9 h 34 min 50 s
